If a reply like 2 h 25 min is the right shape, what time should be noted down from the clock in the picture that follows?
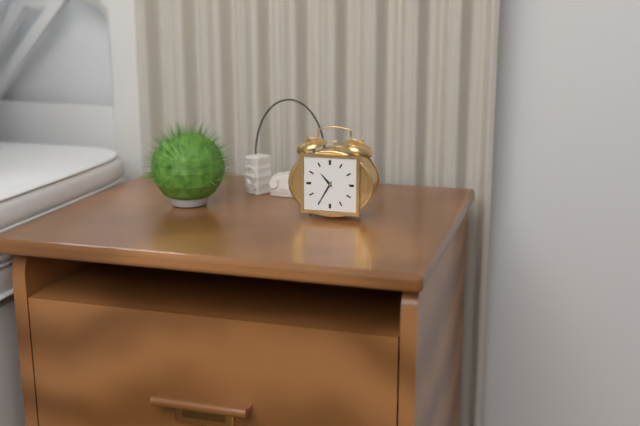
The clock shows 10 h 35 min
